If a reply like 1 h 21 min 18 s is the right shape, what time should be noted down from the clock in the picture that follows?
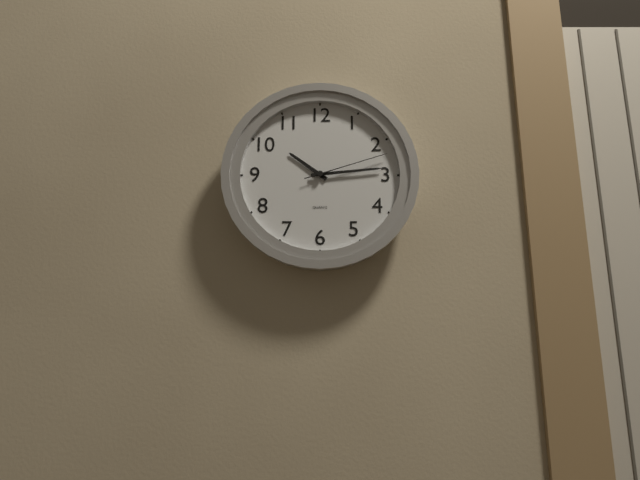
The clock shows 10 h 14 min 12 s
